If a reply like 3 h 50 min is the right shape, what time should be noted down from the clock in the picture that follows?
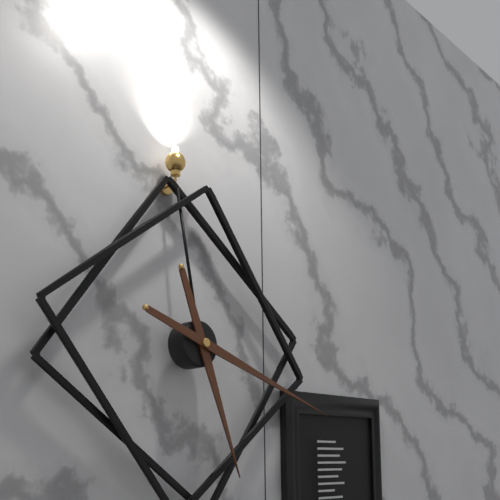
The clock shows 5 h 18 min
